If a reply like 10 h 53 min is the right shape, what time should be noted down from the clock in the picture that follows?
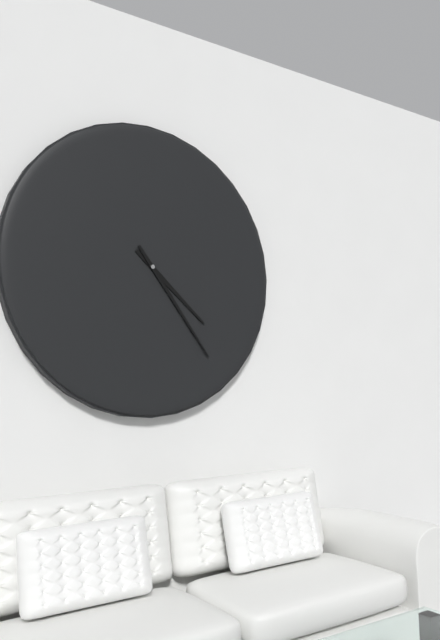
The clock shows 4 h 24 min
